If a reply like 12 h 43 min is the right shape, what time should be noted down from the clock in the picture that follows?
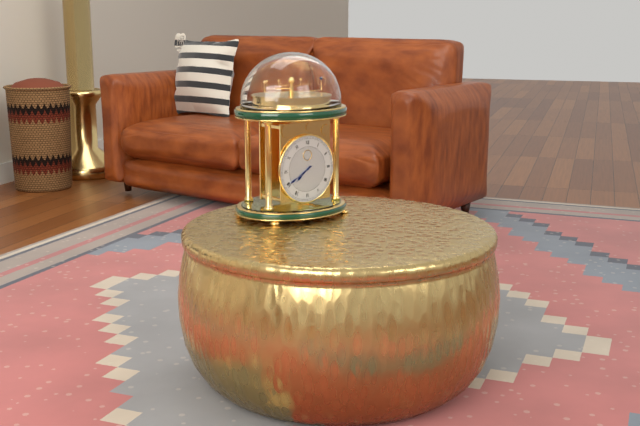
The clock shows 7 h 40 min
